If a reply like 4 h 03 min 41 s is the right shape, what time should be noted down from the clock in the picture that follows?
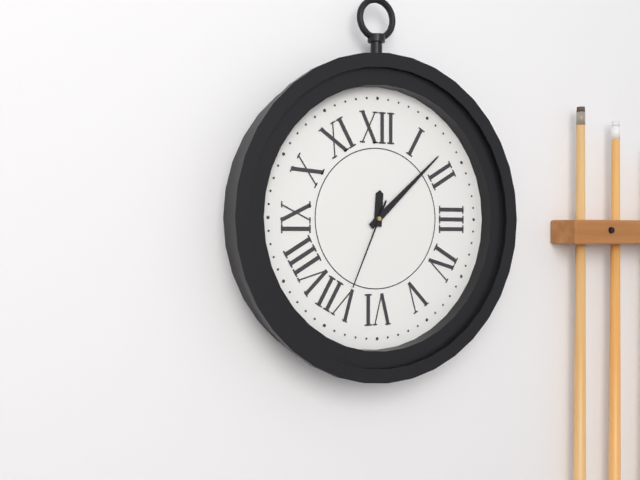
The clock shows 12 h 08 min 34 s
